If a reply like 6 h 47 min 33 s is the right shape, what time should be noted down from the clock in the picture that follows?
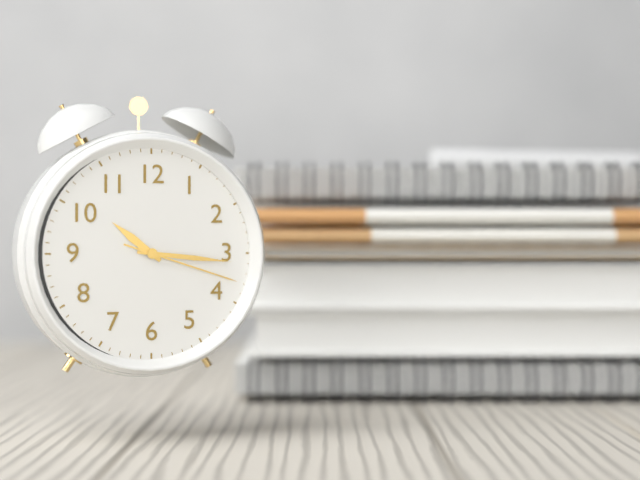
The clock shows 10 h 16 min 18 s
